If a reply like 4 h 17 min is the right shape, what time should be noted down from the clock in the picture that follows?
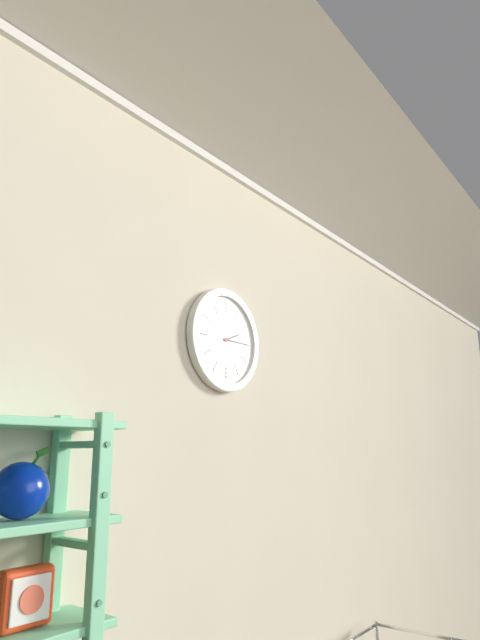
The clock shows 2 h 15 min
